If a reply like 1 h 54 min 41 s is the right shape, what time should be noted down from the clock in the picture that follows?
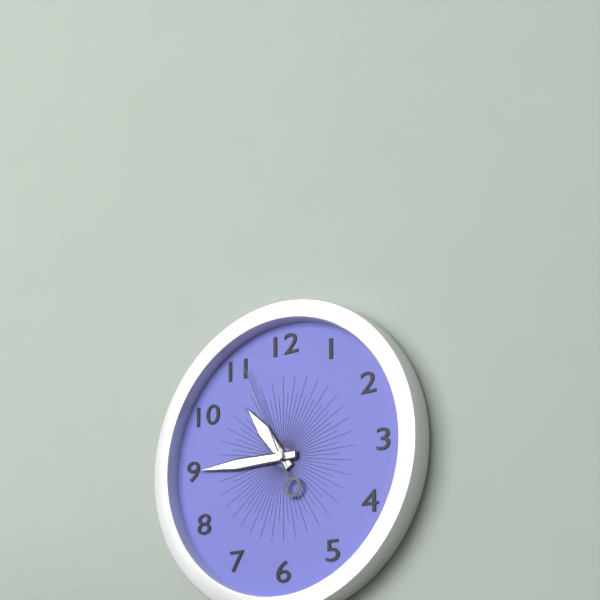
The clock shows 10 h 45 min 56 s
